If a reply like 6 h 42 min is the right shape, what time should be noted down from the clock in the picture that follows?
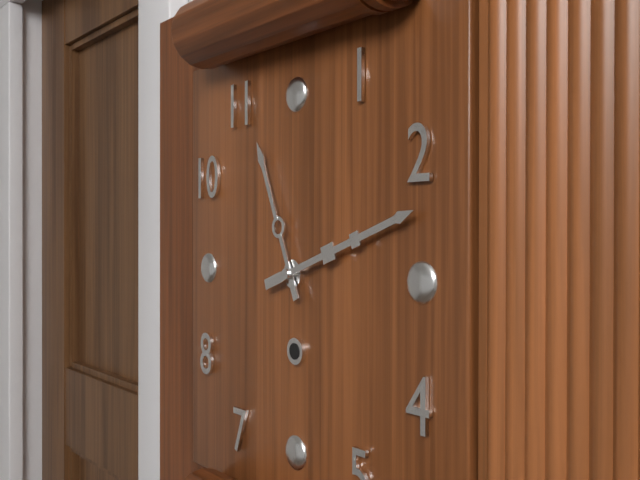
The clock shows 11 h 12 min
